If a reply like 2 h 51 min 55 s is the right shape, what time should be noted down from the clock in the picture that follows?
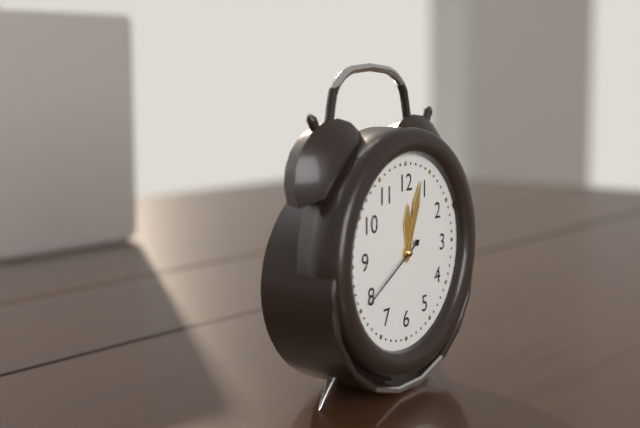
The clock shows 12 h 03 min 40 s
